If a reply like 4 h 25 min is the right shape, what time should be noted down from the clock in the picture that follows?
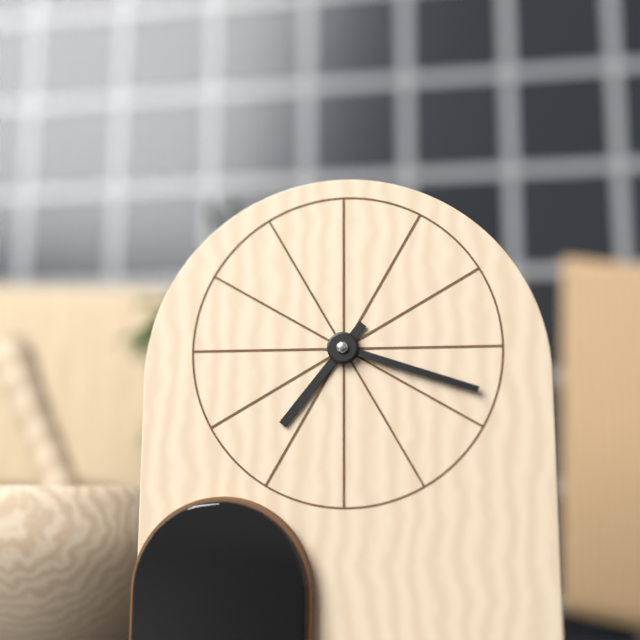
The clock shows 7 h 18 min
